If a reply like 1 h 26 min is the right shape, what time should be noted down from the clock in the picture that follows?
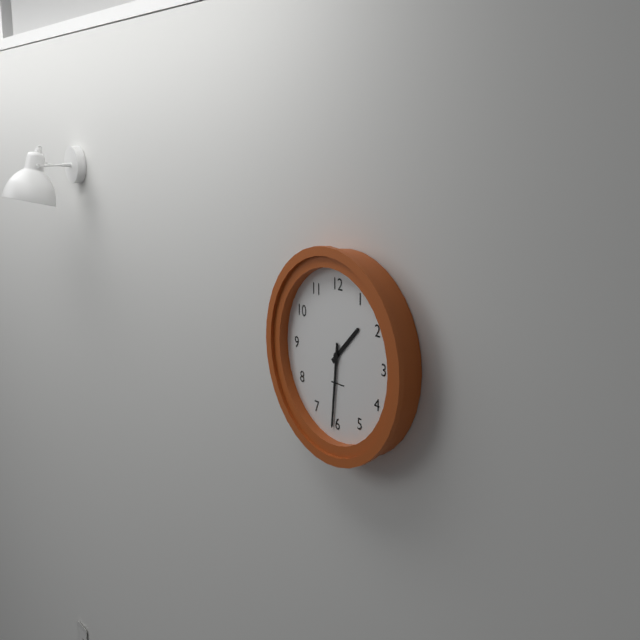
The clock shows 1 h 31 min
